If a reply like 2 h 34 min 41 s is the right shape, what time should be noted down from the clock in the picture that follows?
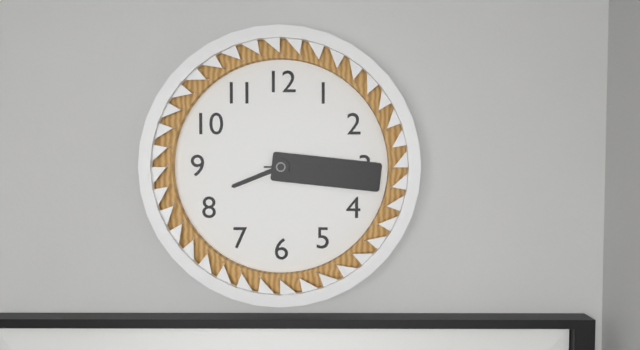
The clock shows 8 h 16 min 15 s
